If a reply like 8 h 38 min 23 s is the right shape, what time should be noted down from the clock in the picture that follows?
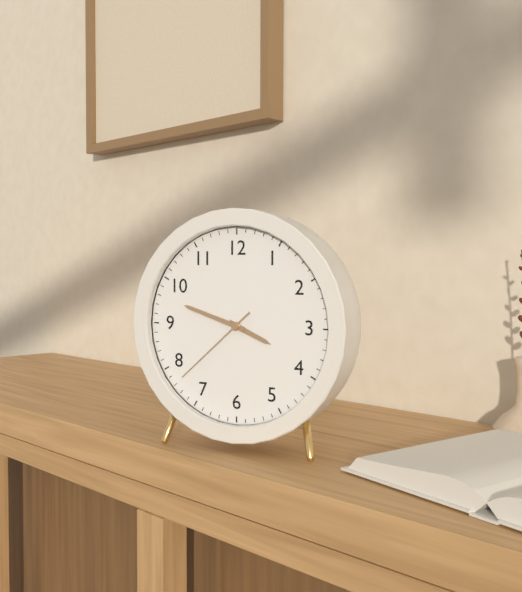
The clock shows 3 h 48 min 38 s
